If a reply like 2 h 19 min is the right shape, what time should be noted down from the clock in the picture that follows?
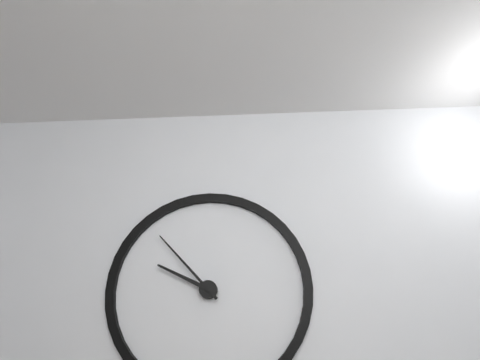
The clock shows 9 h 53 min
